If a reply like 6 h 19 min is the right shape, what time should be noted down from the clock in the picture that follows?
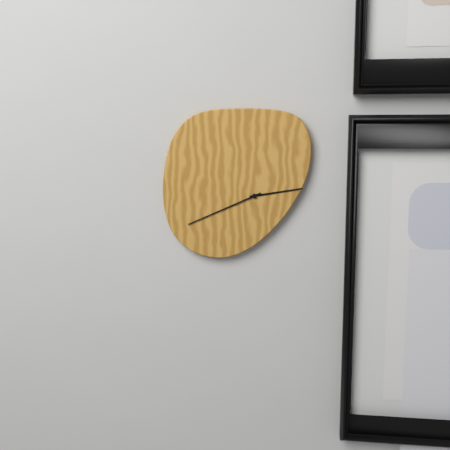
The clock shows 2 h 41 min
